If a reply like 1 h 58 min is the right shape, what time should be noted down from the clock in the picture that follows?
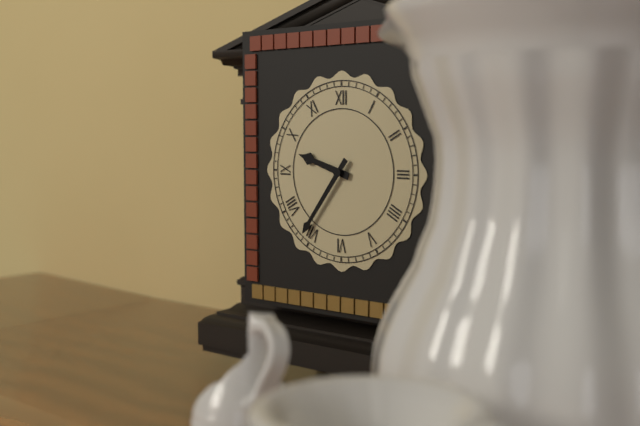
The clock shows 9 h 36 min
